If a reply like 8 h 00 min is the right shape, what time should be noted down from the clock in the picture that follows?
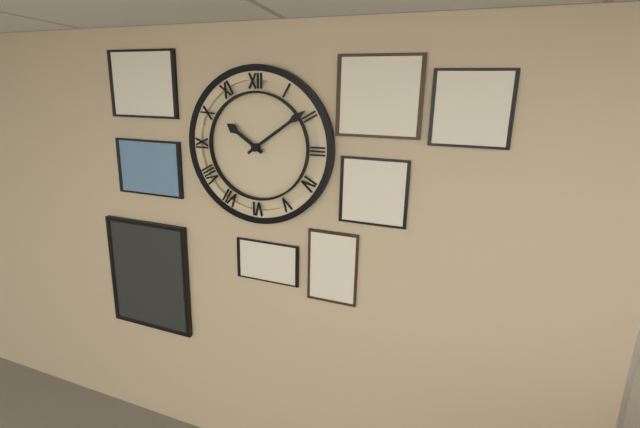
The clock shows 10 h 09 min
